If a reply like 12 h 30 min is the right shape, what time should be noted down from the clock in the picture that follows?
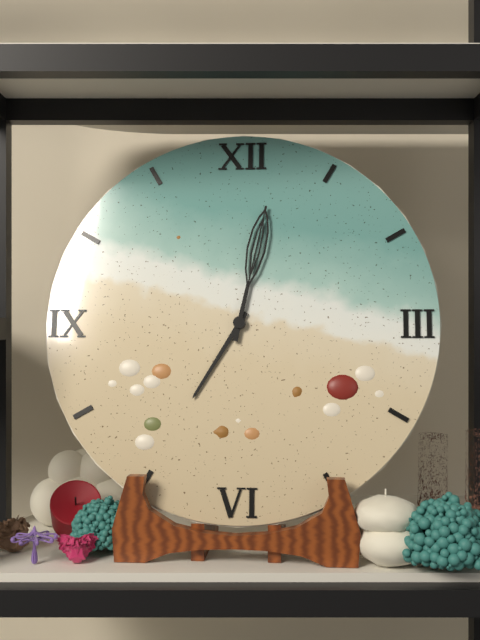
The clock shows 7 h 02 min
